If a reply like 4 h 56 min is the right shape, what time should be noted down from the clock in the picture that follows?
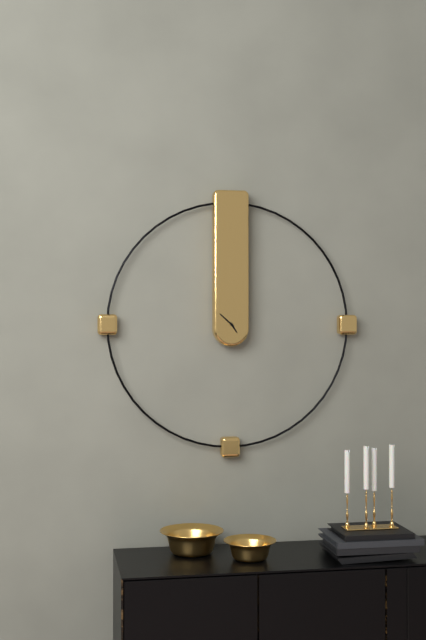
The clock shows 4 h 52 min
